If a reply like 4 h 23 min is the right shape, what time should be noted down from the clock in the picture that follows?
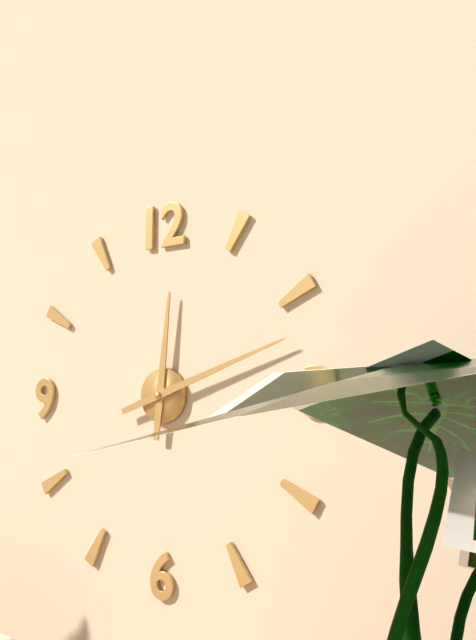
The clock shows 12 h 12 min
